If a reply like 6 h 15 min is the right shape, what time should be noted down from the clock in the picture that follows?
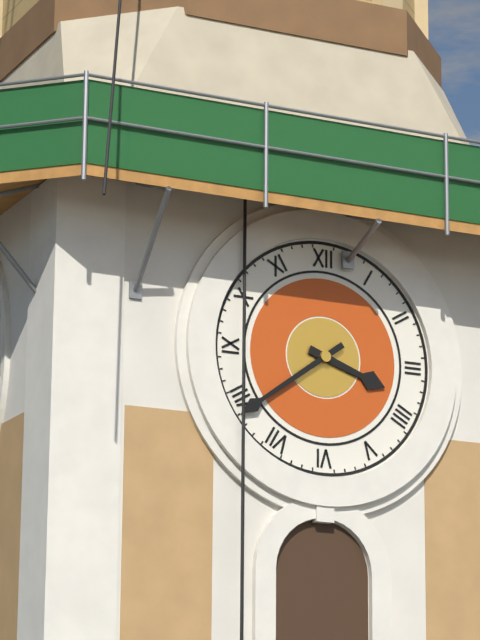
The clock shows 3 h 39 min
